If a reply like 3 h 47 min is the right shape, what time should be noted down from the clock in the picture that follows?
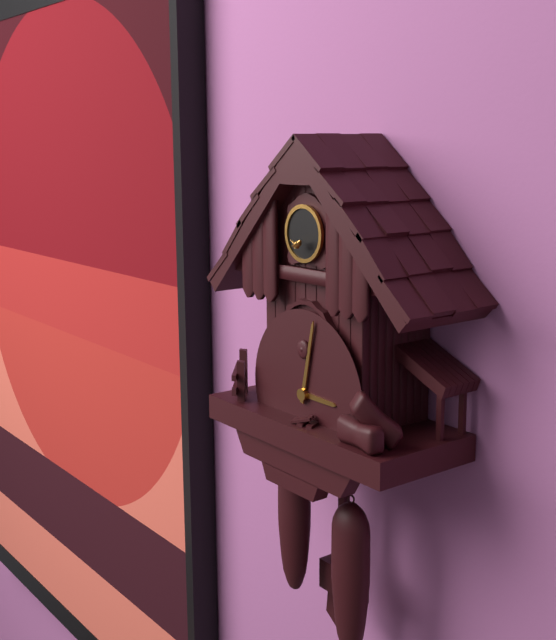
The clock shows 3 h 02 min
